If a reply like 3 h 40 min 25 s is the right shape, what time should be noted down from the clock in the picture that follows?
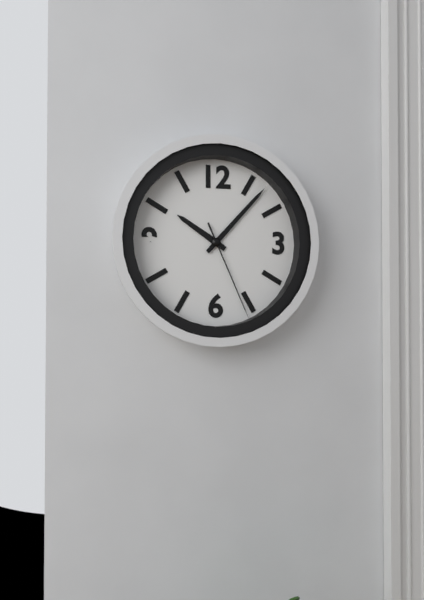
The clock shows 10 h 07 min 26 s
